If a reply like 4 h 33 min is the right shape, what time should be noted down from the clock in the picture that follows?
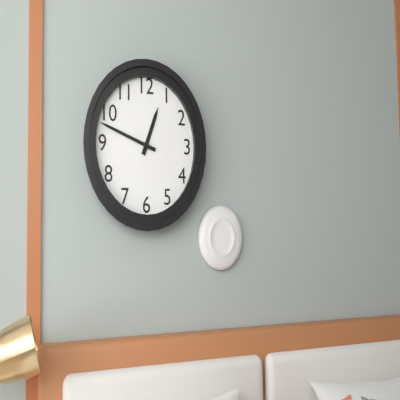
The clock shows 12 h 48 min
